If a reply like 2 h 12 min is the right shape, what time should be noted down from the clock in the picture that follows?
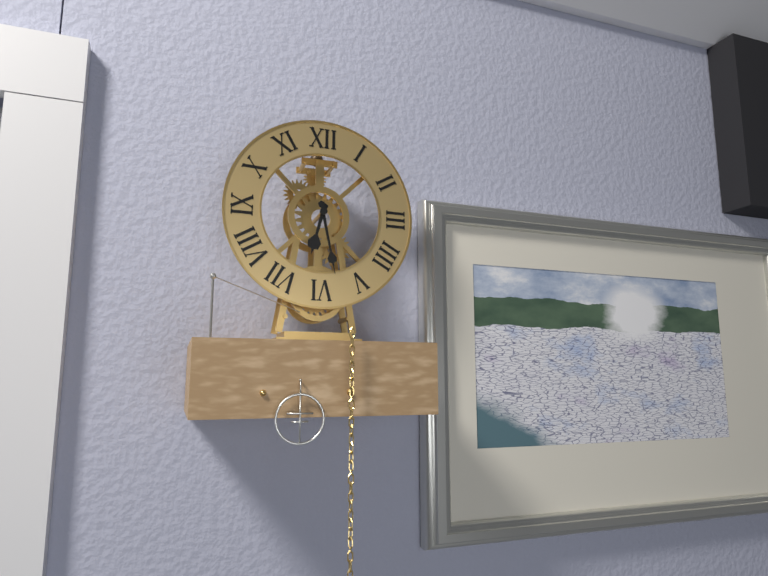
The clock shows 6 h 28 min
